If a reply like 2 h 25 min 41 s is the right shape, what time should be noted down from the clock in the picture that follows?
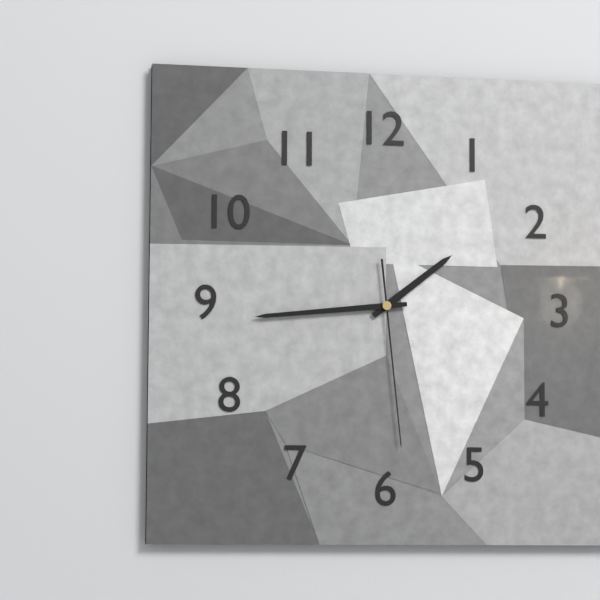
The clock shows 1 h 44 min 29 s
